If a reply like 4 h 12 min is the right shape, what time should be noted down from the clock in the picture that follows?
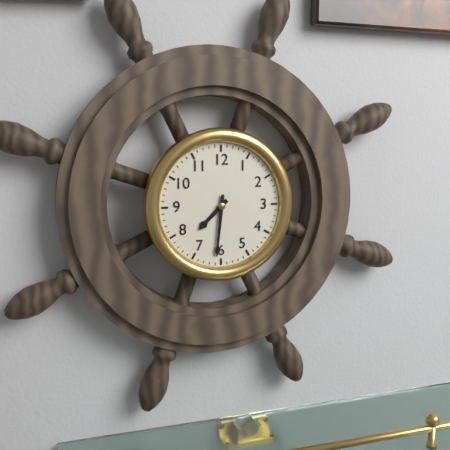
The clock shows 7 h 31 min
